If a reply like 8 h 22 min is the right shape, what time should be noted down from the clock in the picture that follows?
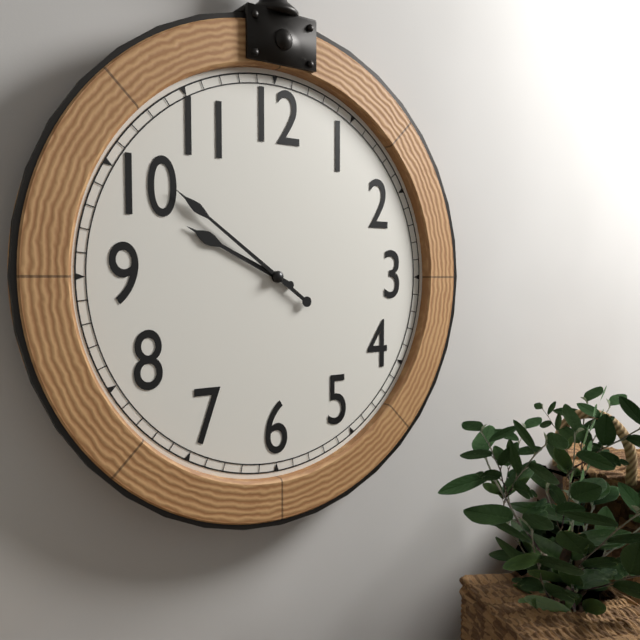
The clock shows 9 h 51 min
